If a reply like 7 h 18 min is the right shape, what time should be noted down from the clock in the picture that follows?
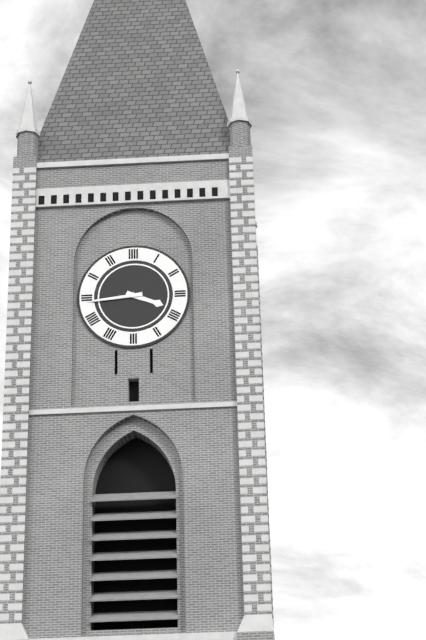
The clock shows 3 h 44 min
